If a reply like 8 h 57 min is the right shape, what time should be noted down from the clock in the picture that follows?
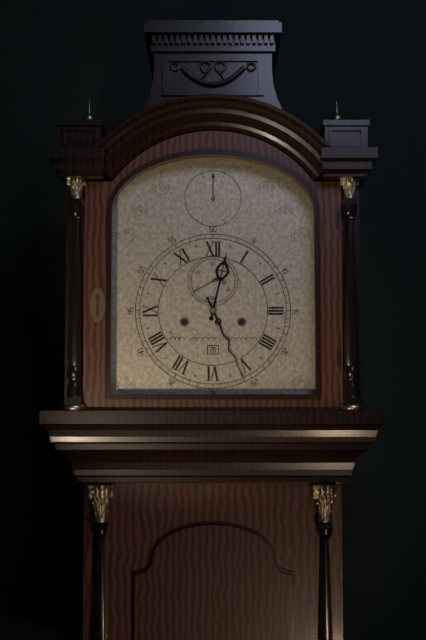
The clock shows 12 h 26 min
